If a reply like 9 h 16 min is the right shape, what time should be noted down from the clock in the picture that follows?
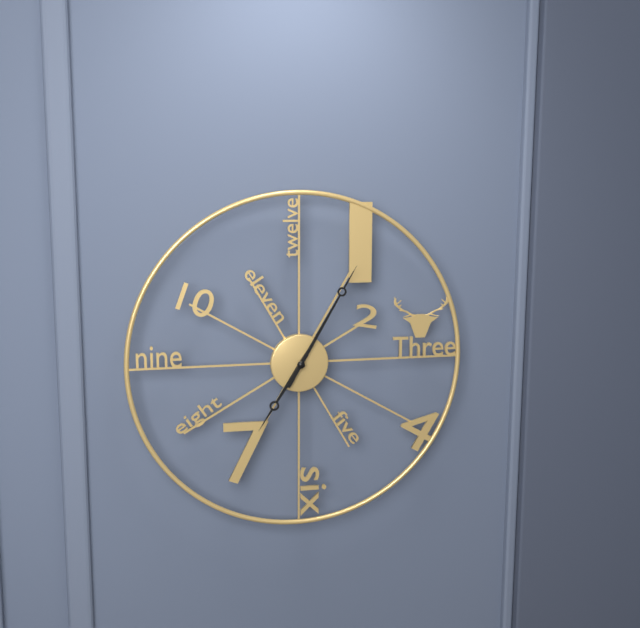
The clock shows 7 h 05 min
